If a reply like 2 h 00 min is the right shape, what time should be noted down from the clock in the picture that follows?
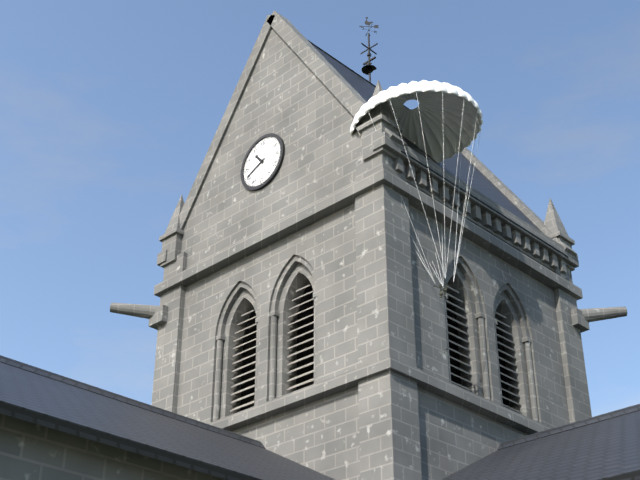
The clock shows 10 h 41 min
